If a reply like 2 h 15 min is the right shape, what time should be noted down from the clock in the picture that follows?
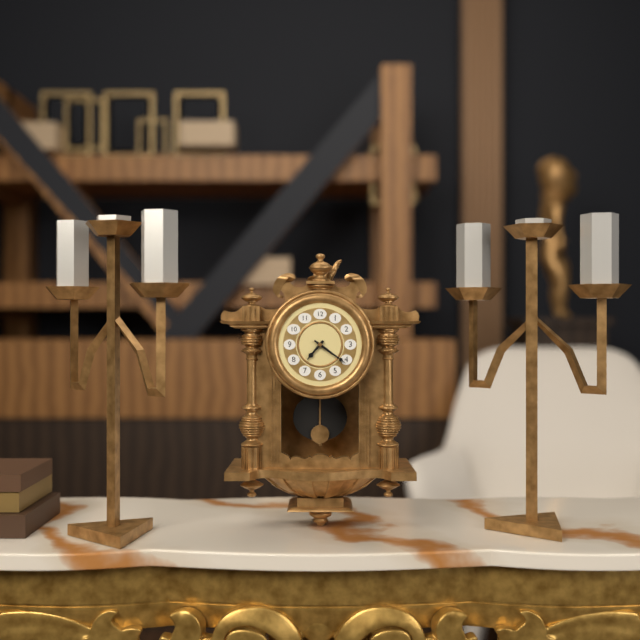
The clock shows 7 h 21 min
